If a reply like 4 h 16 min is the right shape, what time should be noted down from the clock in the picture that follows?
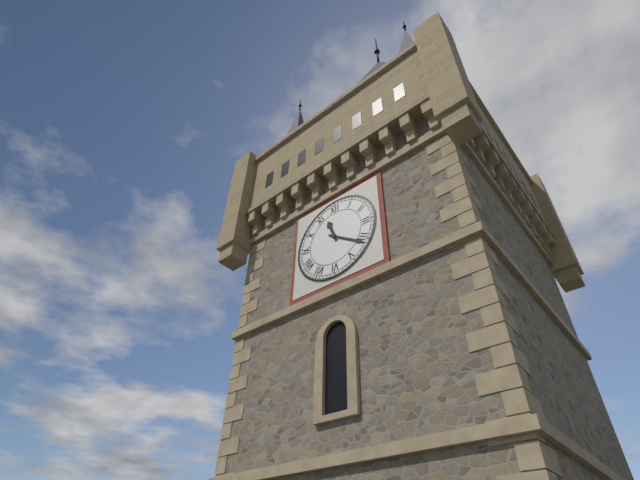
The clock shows 11 h 21 min
